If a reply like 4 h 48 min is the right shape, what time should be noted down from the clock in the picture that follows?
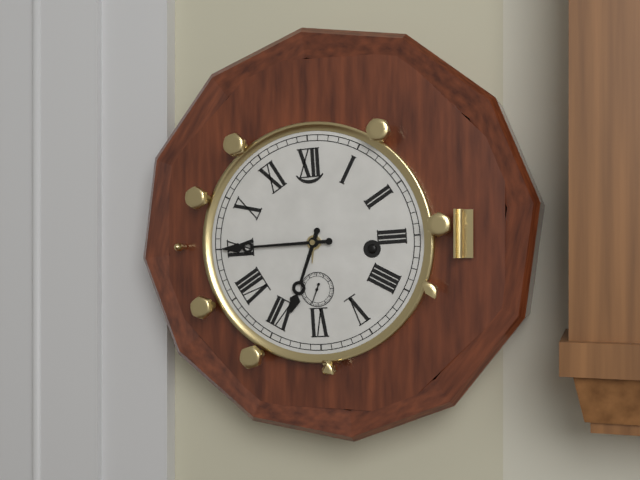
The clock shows 6 h 45 min
